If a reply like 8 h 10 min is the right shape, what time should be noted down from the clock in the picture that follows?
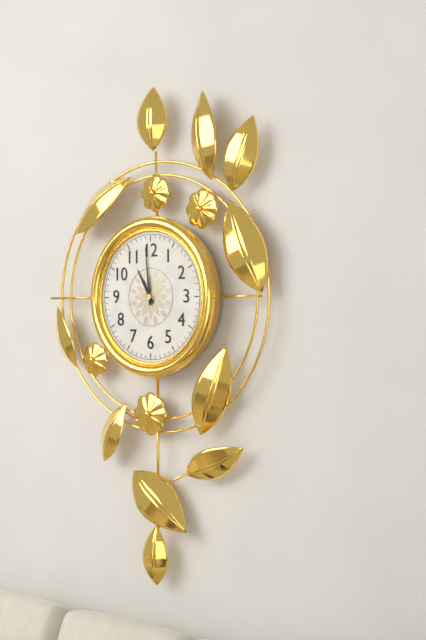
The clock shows 10 h 59 min
